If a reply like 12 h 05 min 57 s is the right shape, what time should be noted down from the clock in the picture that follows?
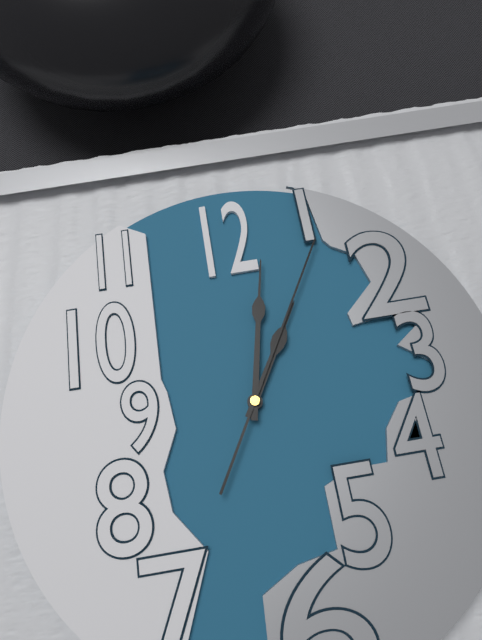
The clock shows 1 h 02 min 05 s
